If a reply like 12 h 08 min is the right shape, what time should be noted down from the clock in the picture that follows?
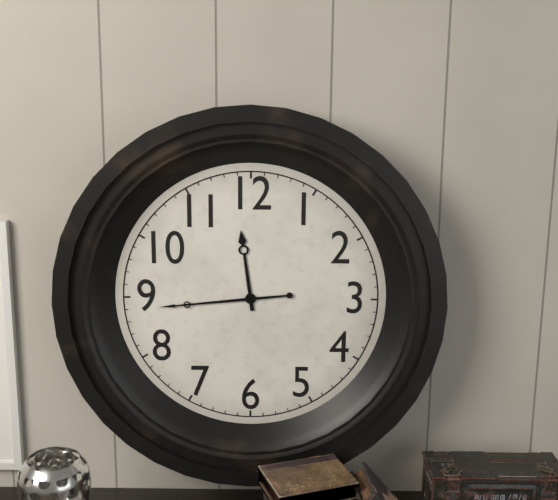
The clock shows 11 h 44 min
